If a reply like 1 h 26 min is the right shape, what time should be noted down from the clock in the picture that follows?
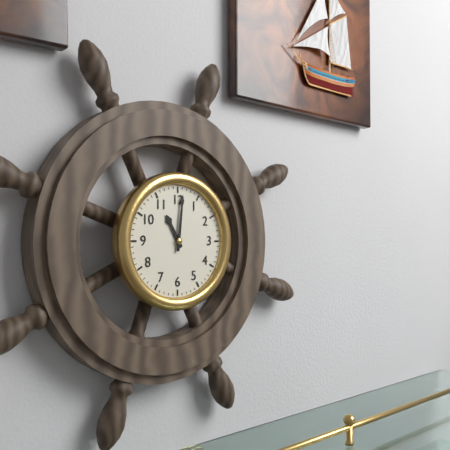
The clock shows 11 h 01 min
